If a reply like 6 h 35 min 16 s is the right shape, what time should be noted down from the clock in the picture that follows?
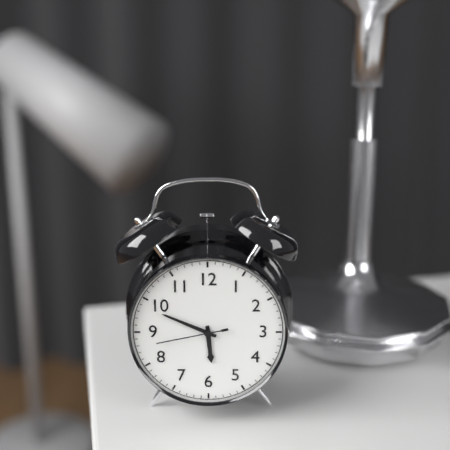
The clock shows 5 h 49 min 43 s
